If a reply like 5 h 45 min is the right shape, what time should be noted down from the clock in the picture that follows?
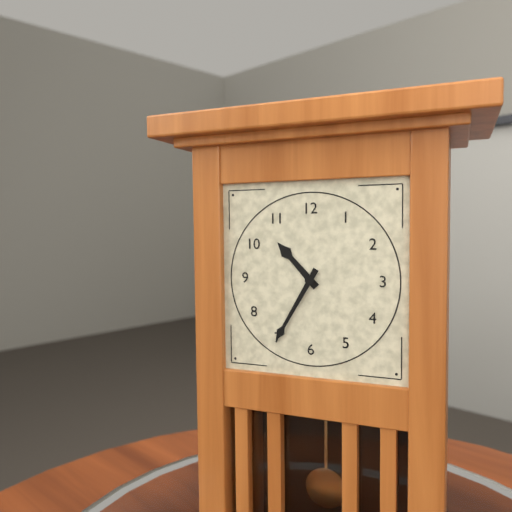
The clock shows 10 h 35 min
